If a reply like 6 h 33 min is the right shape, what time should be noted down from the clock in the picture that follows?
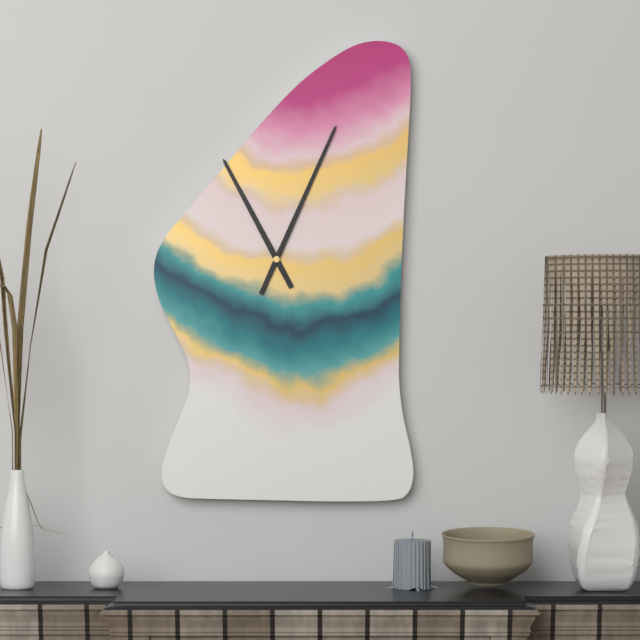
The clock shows 11 h 04 min
